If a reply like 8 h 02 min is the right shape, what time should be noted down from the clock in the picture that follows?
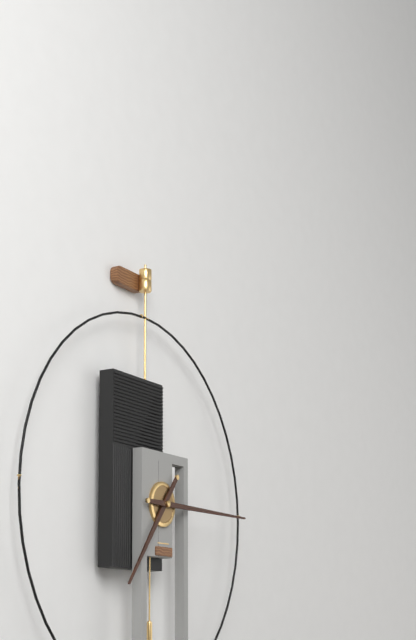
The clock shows 7 h 15 min
